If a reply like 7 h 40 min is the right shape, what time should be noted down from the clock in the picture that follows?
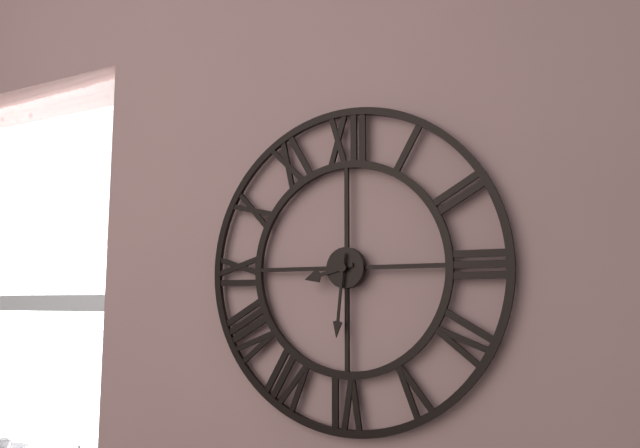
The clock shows 8 h 31 min
